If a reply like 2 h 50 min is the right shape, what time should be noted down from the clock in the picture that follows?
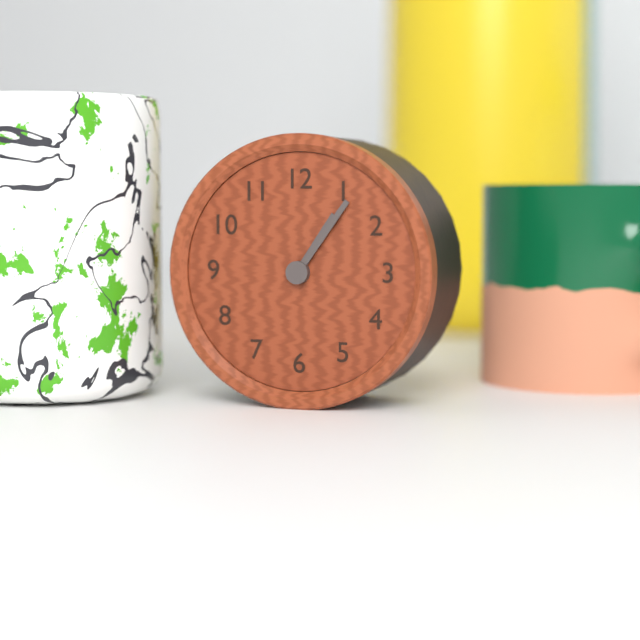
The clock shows 1 h 06 min
